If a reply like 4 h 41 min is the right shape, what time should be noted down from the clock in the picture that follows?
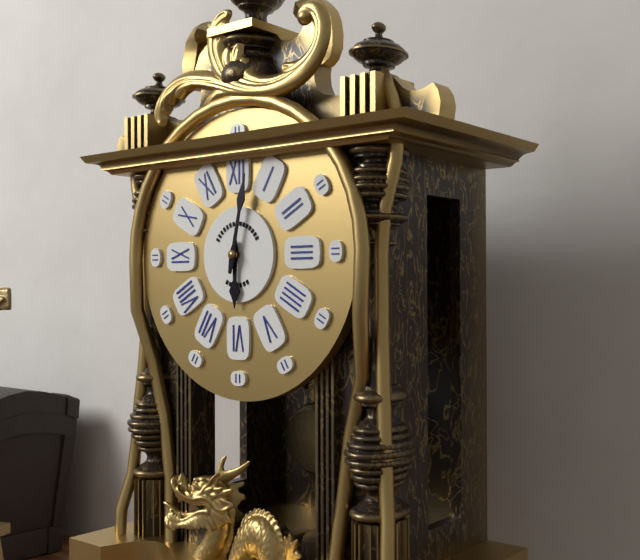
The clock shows 6 h 02 min
